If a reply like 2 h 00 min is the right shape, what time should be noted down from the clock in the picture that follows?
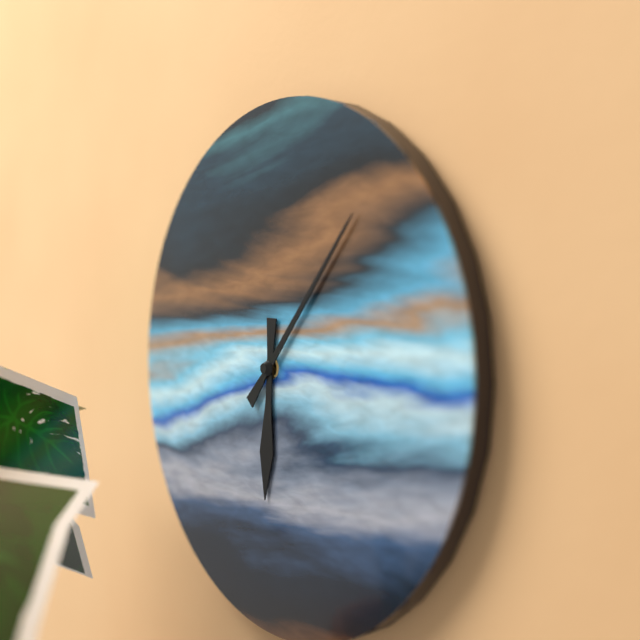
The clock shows 6 h 07 min
